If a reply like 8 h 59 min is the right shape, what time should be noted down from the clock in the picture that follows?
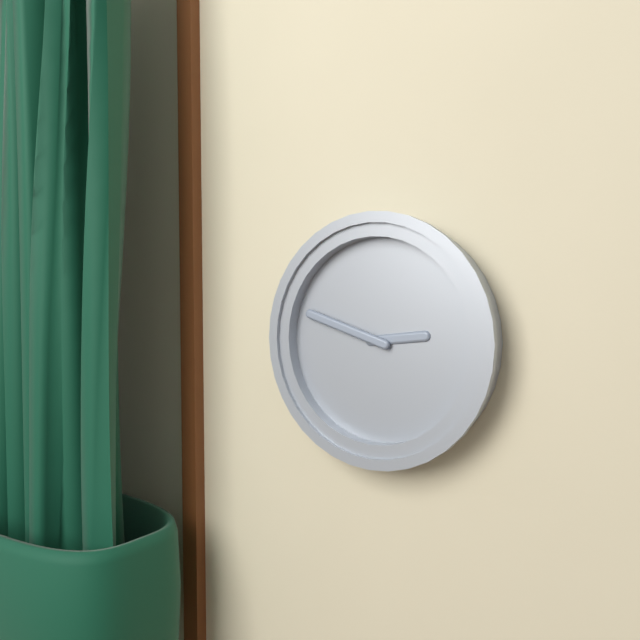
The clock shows 2 h 48 min
